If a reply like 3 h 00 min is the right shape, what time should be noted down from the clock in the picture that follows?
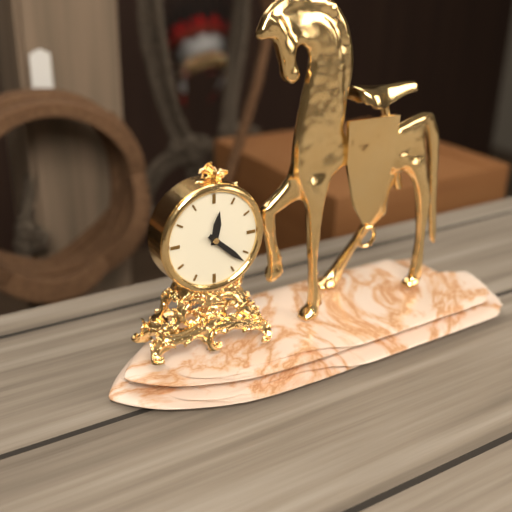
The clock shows 12 h 22 min
